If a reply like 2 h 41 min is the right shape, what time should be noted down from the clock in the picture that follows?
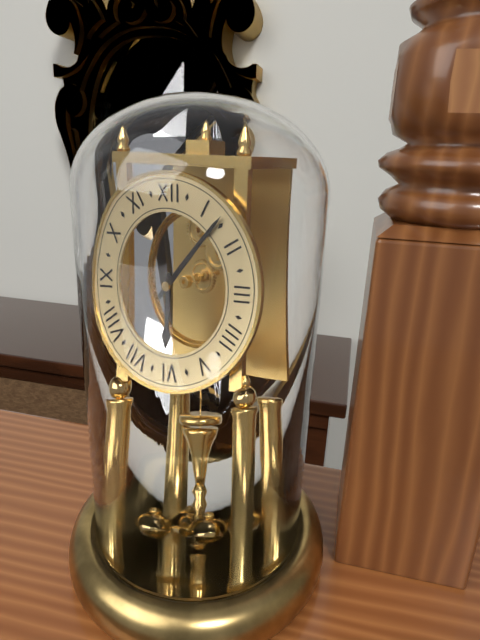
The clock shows 6 h 07 min
